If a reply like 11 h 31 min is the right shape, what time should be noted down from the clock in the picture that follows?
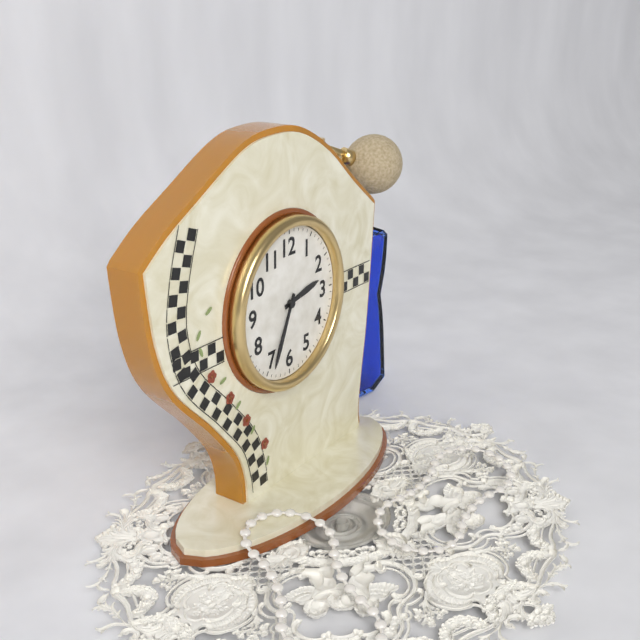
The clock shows 2 h 34 min
